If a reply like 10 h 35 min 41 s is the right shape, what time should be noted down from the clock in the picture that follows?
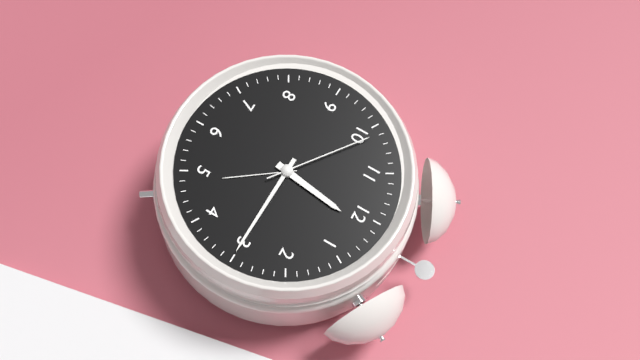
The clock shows 12 h 15 min 51 s
